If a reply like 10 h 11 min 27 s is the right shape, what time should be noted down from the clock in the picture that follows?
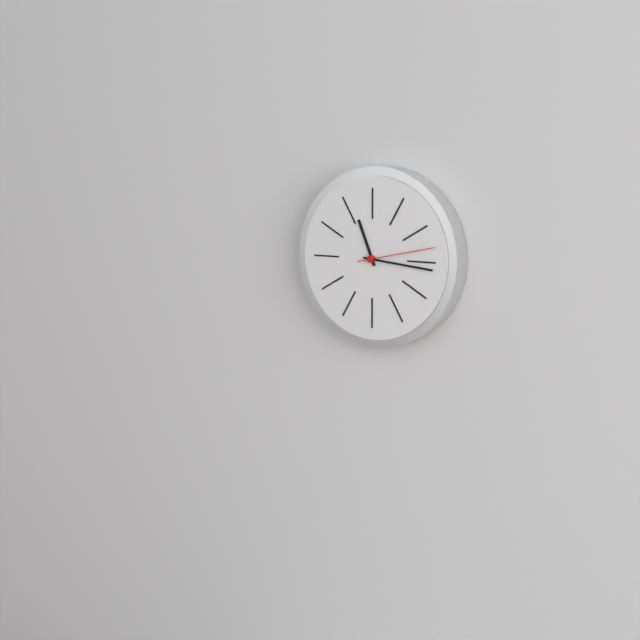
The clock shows 11 h 16 min 13 s
